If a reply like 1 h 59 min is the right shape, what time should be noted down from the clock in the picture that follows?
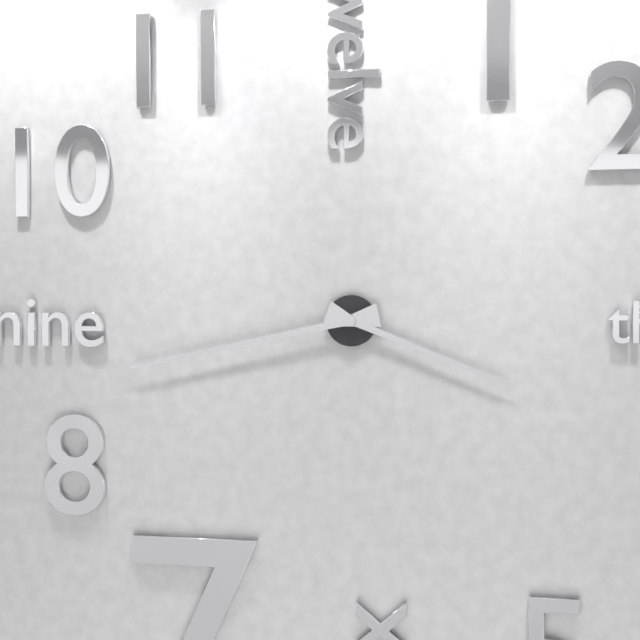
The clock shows 3 h 43 min
